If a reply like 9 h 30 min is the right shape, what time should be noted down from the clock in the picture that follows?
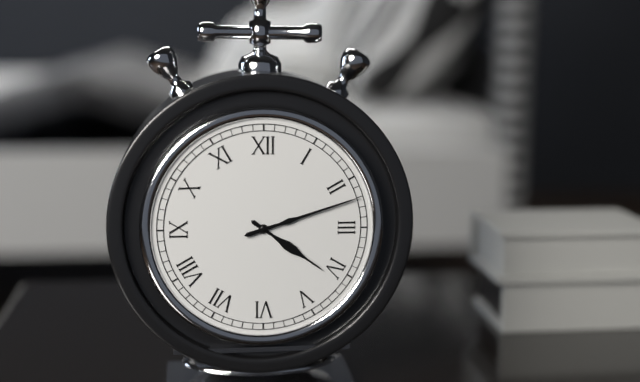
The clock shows 4 h 12 min
